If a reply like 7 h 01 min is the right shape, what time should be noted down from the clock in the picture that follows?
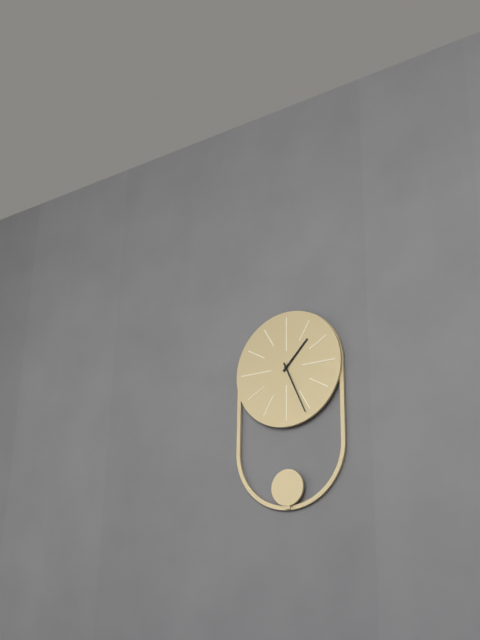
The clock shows 1 h 26 min
